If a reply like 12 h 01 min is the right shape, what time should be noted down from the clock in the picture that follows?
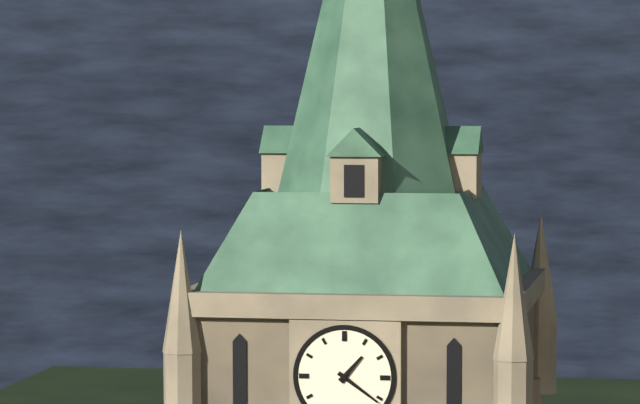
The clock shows 1 h 21 min
